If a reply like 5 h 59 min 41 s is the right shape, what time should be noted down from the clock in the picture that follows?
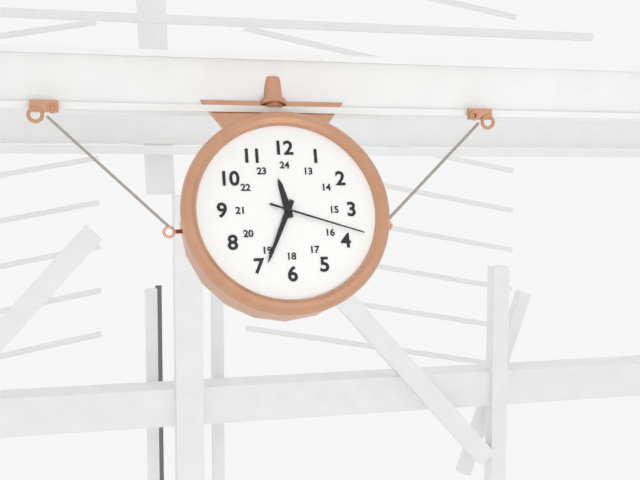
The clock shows 11 h 34 min 18 s
